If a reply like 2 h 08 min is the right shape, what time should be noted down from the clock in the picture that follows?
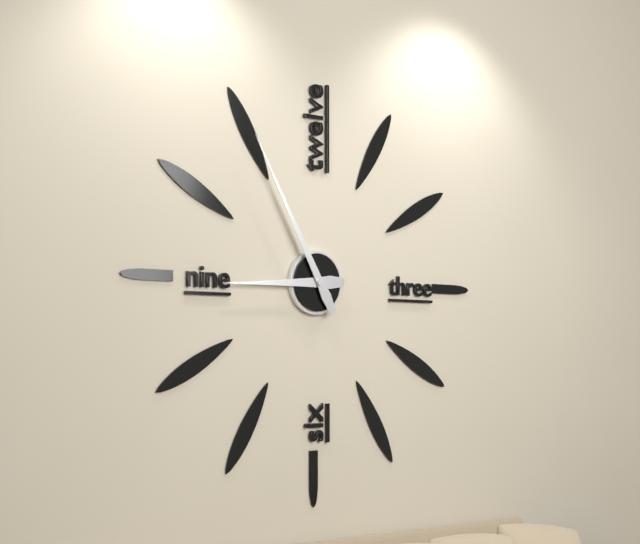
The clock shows 8 h 55 min
